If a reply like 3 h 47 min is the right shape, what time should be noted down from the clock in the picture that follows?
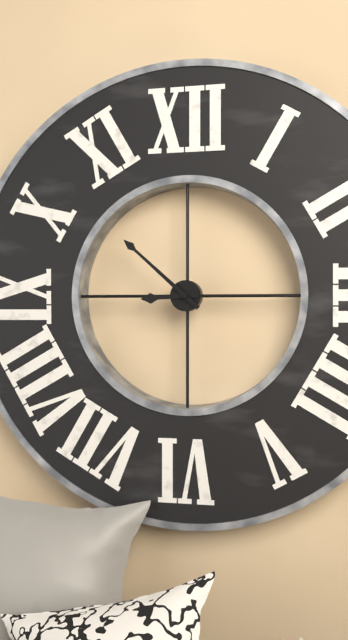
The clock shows 8 h 52 min
